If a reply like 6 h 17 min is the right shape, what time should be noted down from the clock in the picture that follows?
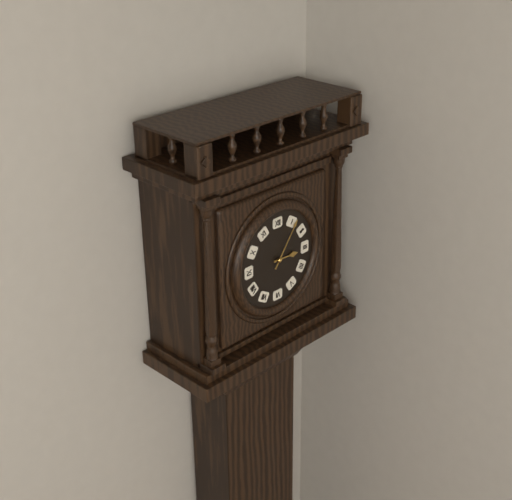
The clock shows 3 h 06 min
